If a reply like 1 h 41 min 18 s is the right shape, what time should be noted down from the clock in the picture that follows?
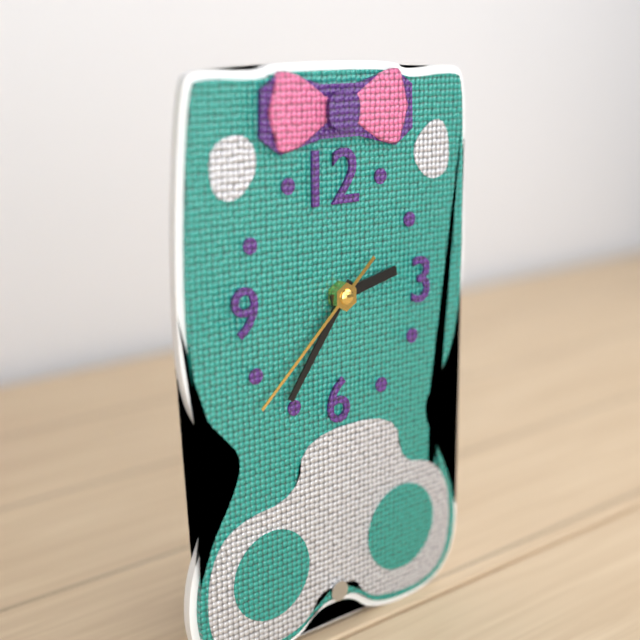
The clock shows 2 h 36 min 38 s
